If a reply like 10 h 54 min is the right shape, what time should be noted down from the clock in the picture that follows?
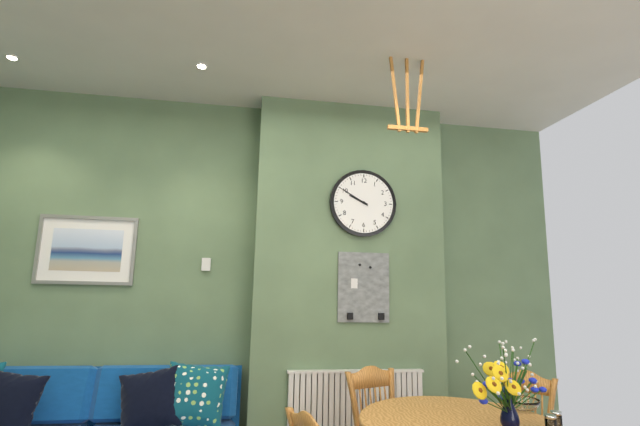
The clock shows 9 h 50 min
